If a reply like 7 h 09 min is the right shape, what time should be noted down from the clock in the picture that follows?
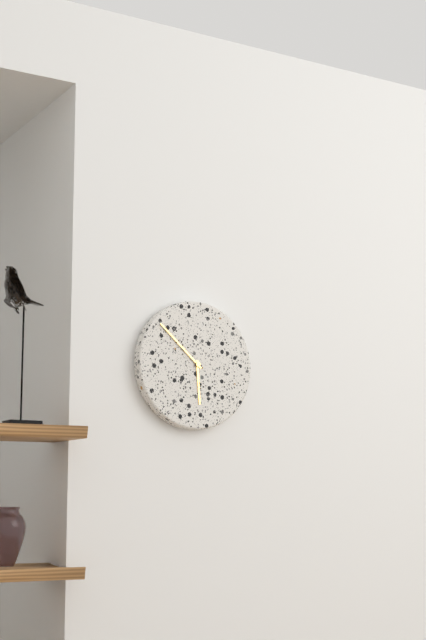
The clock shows 5 h 52 min
